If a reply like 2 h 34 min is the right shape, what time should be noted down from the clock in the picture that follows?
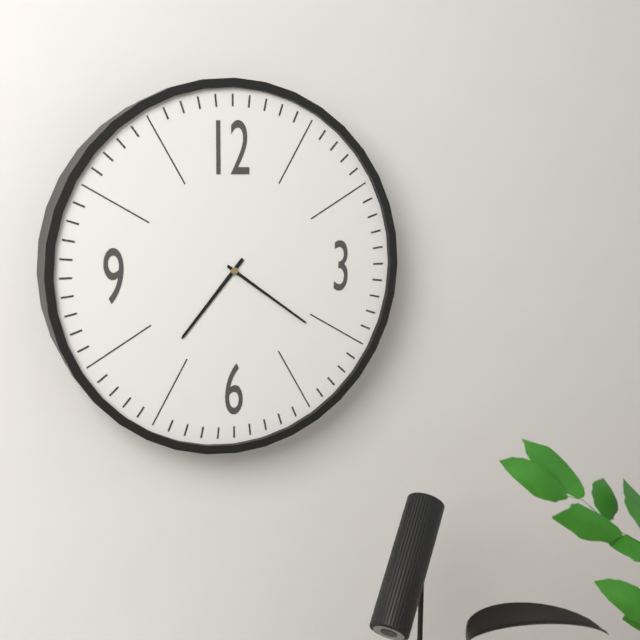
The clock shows 7 h 21 min
